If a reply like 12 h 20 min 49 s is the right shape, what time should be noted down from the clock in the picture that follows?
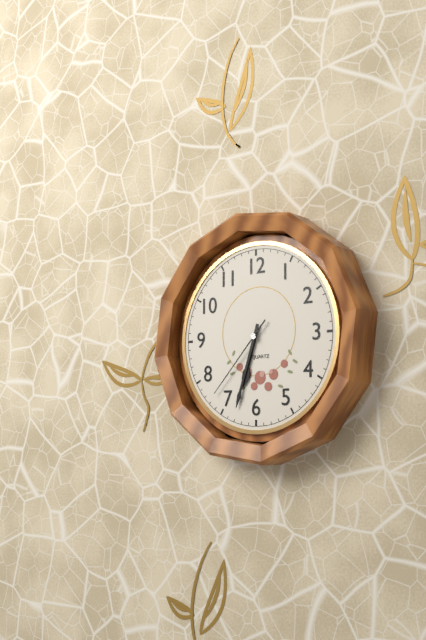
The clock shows 6 h 33 min 37 s
